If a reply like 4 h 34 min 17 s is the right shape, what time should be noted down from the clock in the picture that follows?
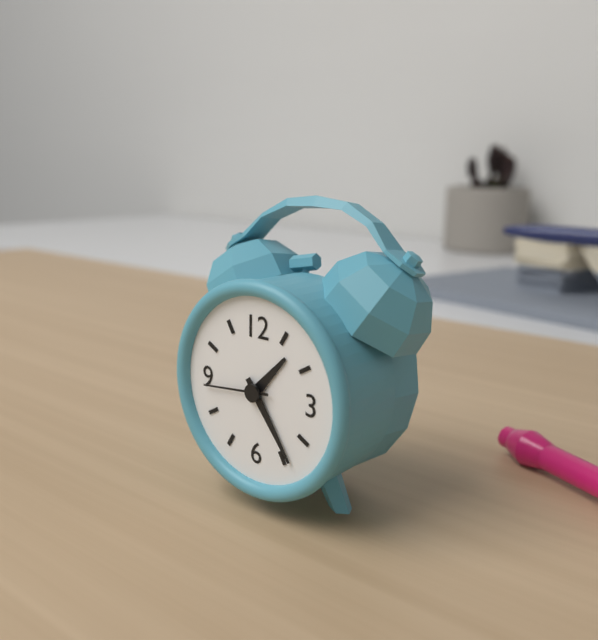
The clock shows 1 h 24 min 44 s
